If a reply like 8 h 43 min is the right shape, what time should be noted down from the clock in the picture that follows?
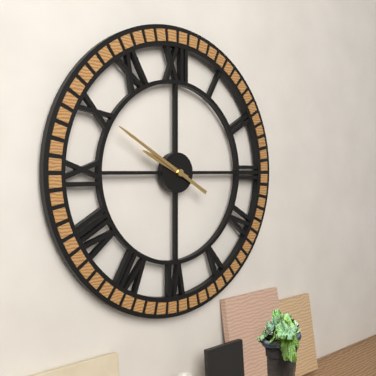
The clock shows 9 h 50 min
